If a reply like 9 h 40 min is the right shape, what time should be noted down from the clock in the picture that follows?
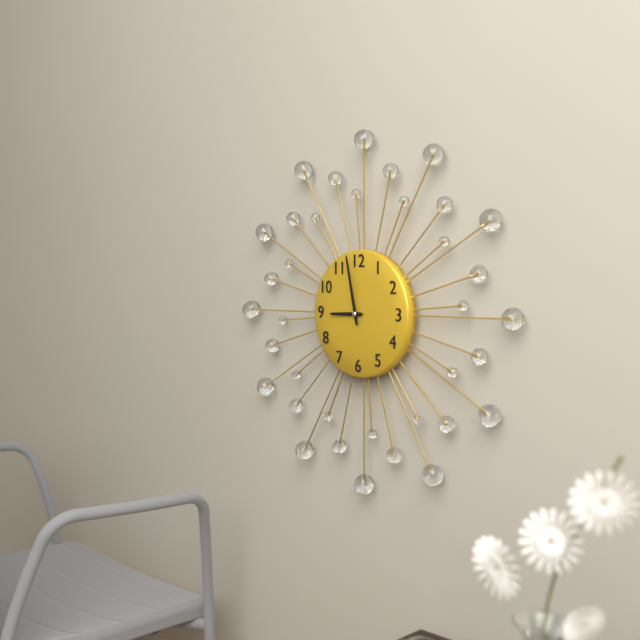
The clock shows 8 h 58 min
